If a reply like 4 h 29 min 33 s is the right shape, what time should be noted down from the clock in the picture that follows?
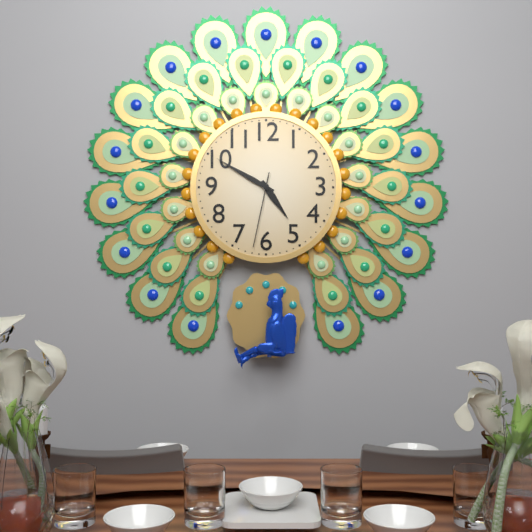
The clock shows 4 h 50 min 32 s
